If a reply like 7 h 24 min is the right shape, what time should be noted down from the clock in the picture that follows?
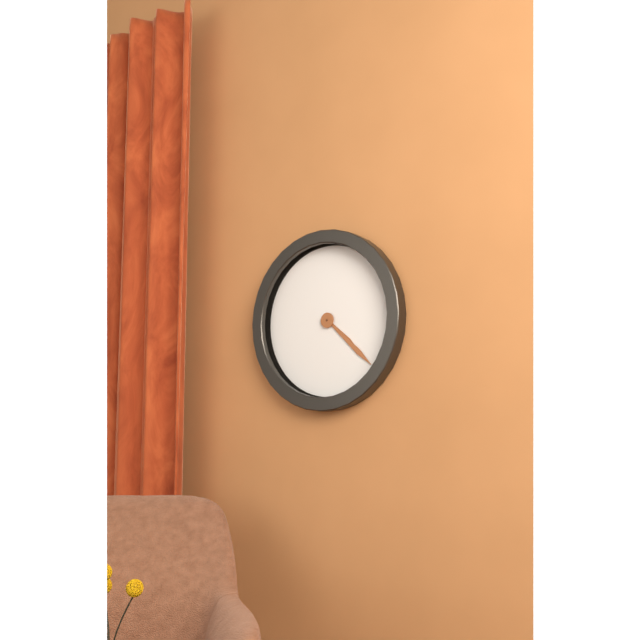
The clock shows 4 h 22 min
